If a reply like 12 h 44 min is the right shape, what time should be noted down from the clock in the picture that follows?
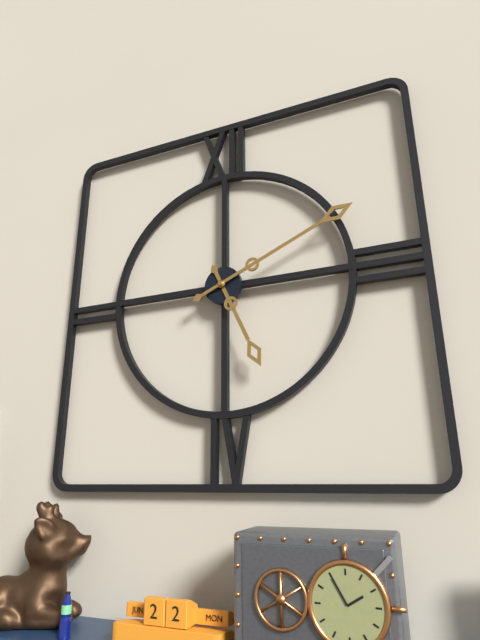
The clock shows 5 h 11 min
